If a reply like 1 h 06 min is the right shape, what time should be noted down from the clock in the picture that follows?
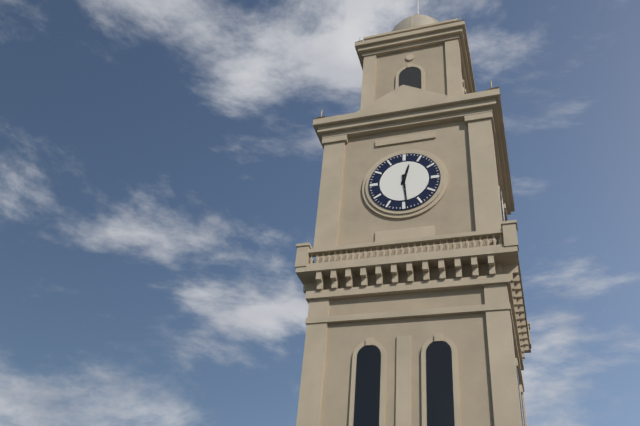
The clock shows 12 h 29 min
